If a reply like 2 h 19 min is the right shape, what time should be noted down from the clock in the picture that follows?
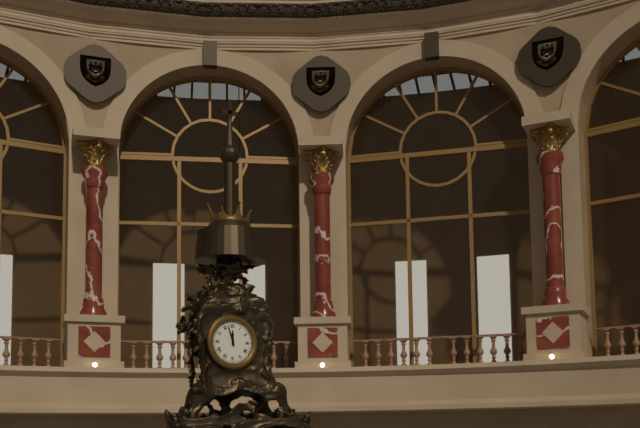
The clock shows 11 h 57 min
